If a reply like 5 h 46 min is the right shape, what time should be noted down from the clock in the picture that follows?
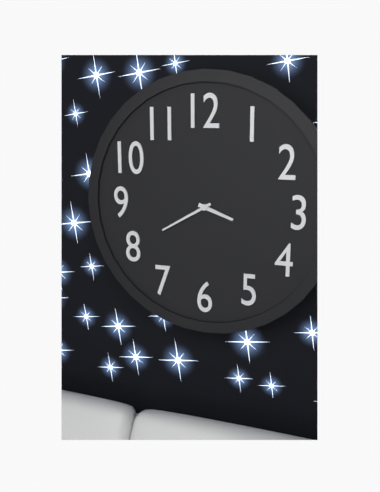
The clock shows 3 h 40 min
